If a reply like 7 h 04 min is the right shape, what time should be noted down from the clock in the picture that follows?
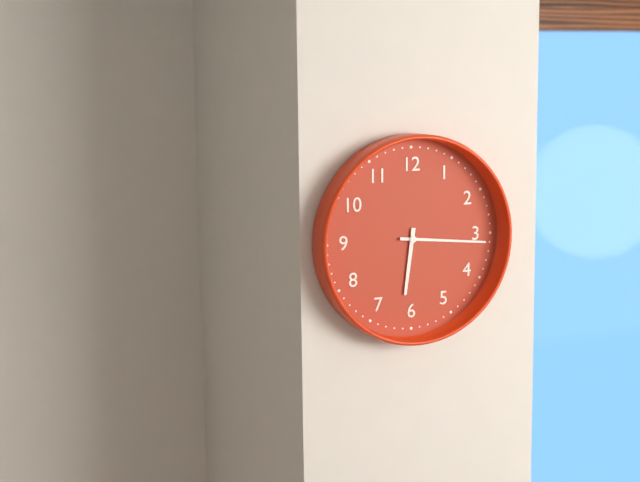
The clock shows 6 h 16 min
